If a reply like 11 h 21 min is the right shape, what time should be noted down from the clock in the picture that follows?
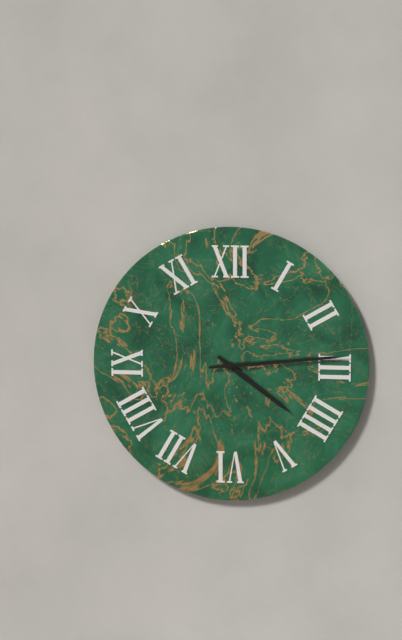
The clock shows 4 h 14 min
